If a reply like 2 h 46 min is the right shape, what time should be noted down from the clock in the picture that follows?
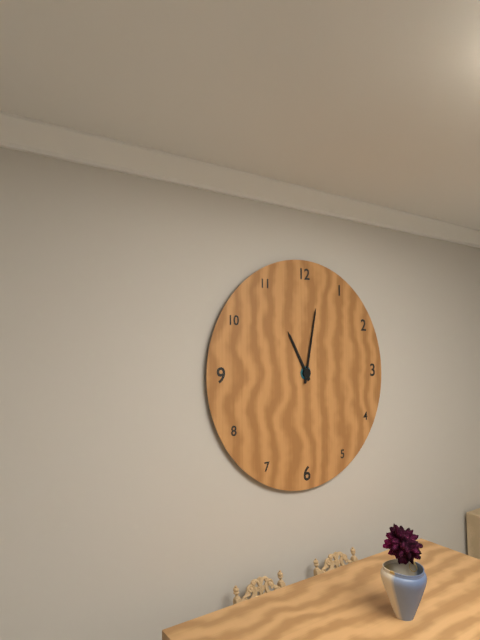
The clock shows 11 h 02 min
